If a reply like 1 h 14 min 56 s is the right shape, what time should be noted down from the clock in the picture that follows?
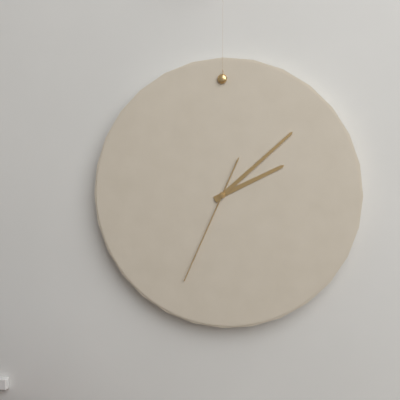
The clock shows 2 h 08 min 34 s
